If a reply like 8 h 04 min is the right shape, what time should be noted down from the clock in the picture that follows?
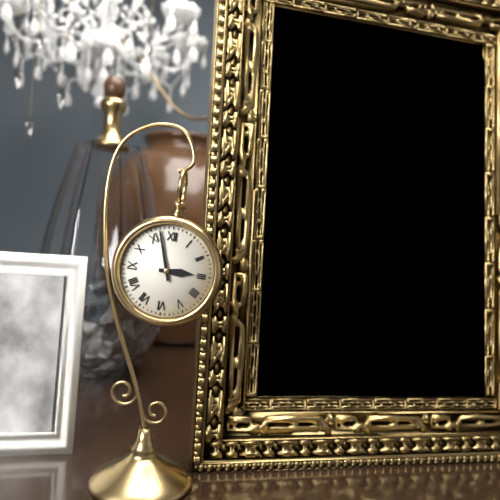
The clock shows 2 h 57 min
